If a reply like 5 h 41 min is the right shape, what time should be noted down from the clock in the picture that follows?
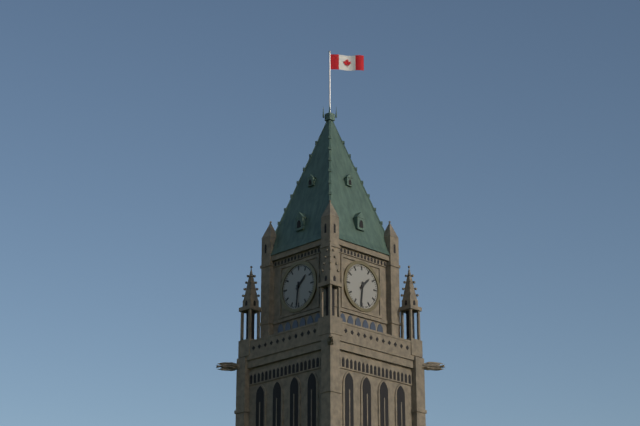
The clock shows 1 h 31 min
